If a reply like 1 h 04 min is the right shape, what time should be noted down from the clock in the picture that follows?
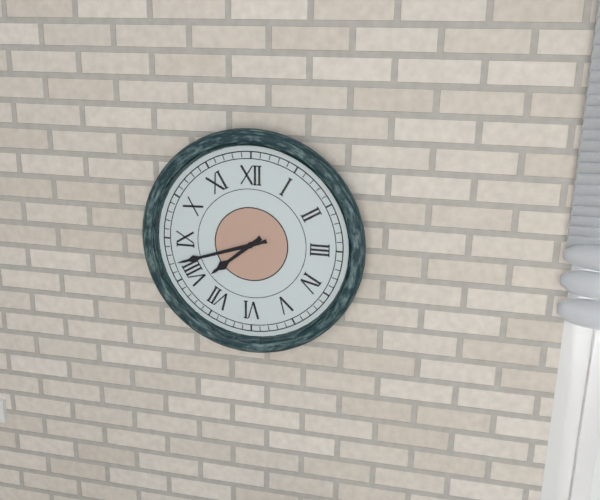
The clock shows 7 h 42 min
